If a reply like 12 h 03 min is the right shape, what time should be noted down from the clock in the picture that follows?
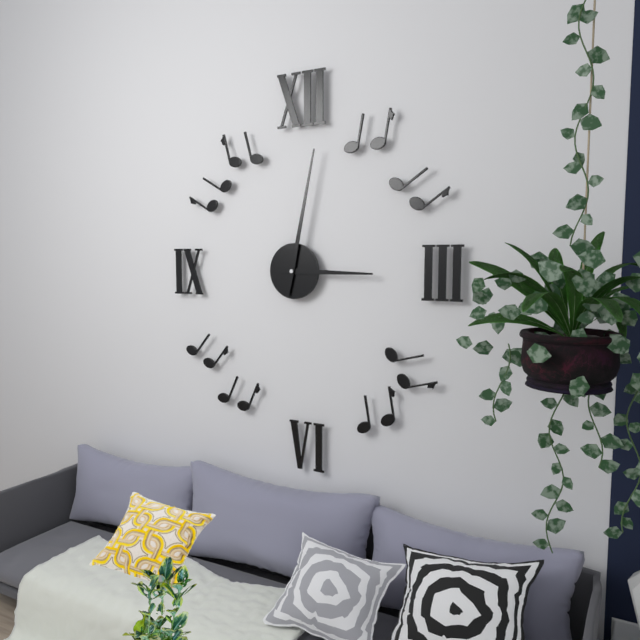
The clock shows 3 h 02 min
